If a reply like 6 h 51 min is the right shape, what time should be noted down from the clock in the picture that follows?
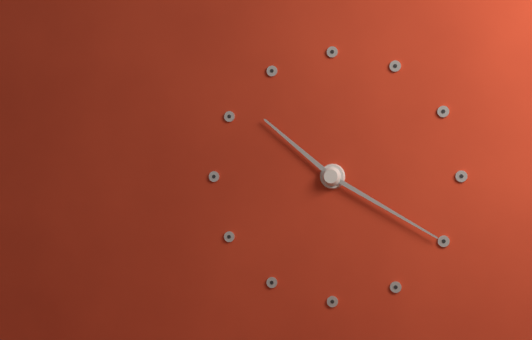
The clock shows 10 h 20 min
